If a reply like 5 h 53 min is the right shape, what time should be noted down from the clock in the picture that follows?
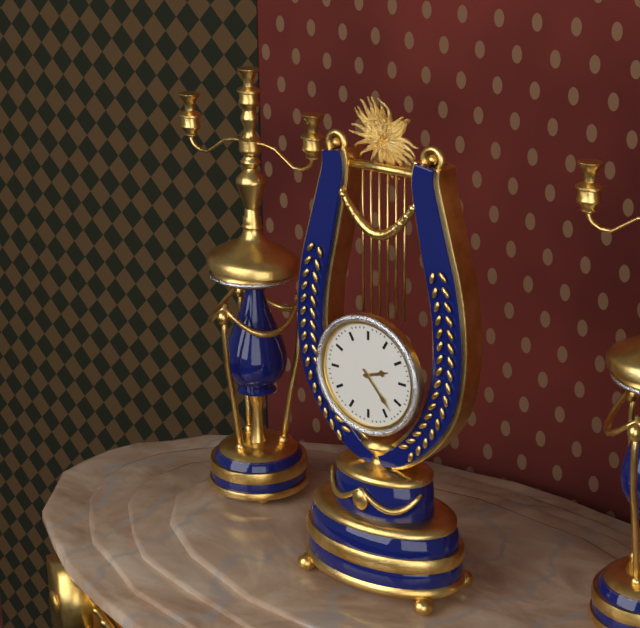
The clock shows 2 h 23 min
